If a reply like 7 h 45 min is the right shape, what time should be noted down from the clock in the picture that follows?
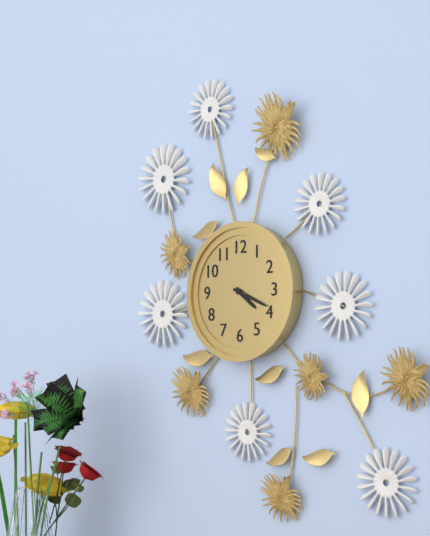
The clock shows 4 h 19 min
